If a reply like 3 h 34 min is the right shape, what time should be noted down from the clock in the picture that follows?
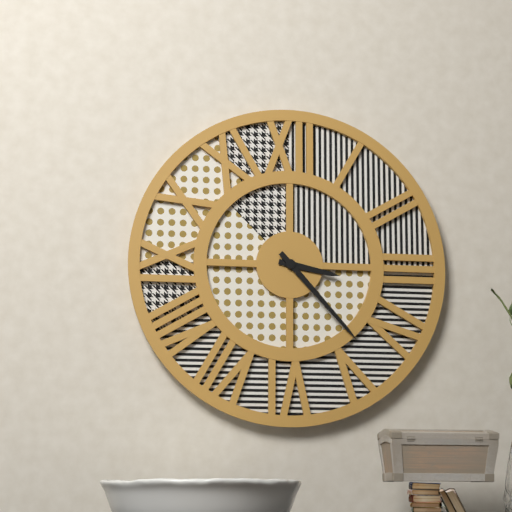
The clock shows 3 h 23 min
